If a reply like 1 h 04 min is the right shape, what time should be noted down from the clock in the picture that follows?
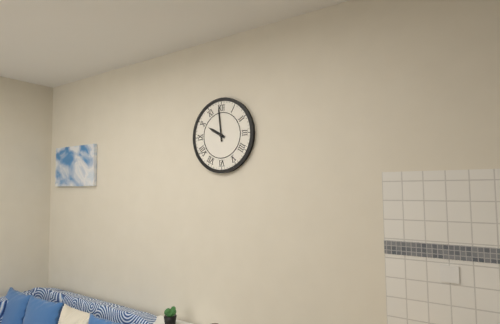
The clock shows 9 h 59 min
